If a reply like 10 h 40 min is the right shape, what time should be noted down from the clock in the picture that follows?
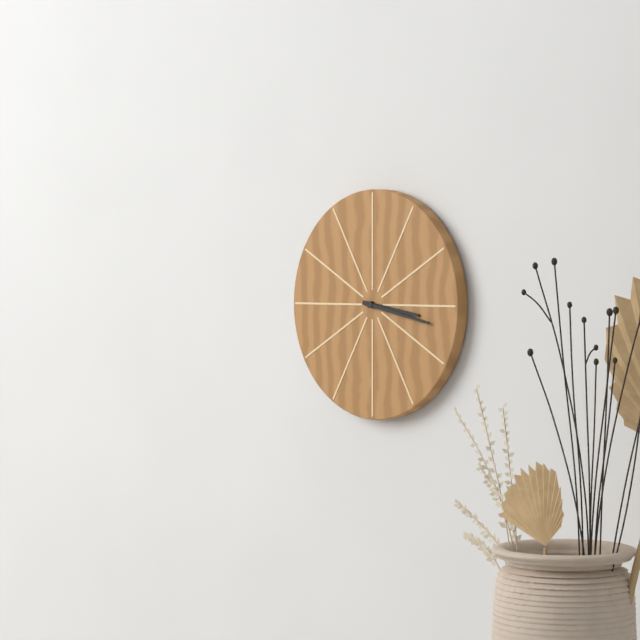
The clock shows 3 h 17 min
